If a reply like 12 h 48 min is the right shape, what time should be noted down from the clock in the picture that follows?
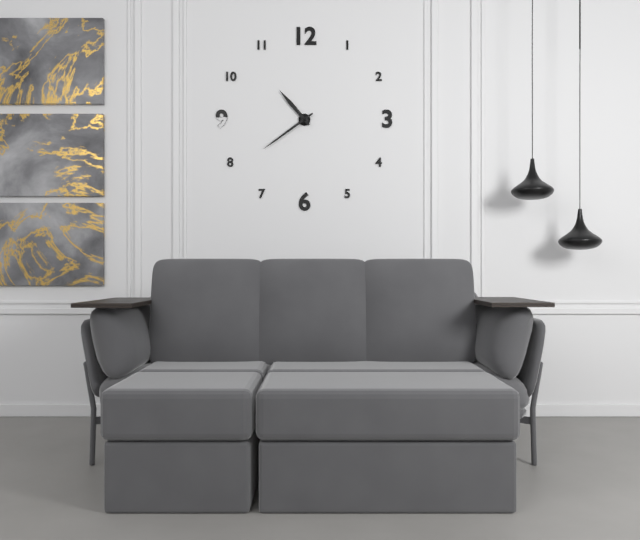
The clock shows 10 h 39 min
